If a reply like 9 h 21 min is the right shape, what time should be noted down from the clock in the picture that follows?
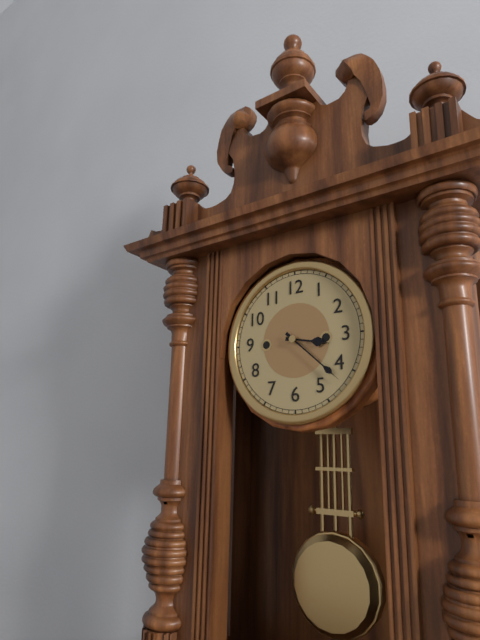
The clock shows 3 h 22 min
